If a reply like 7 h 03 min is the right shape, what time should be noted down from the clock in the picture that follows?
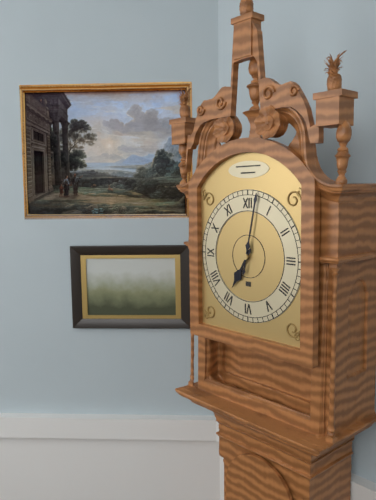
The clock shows 7 h 02 min
